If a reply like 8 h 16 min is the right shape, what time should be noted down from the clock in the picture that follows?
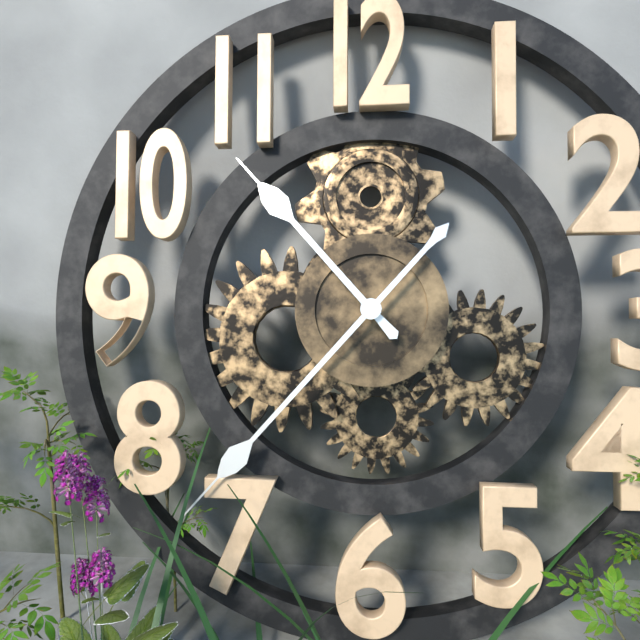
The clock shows 10 h 37 min
